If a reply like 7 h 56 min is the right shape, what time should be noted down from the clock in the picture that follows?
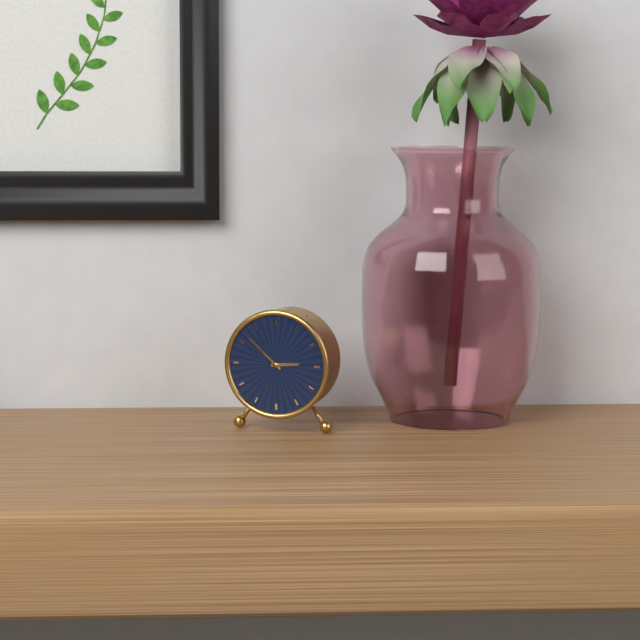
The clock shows 2 h 52 min
